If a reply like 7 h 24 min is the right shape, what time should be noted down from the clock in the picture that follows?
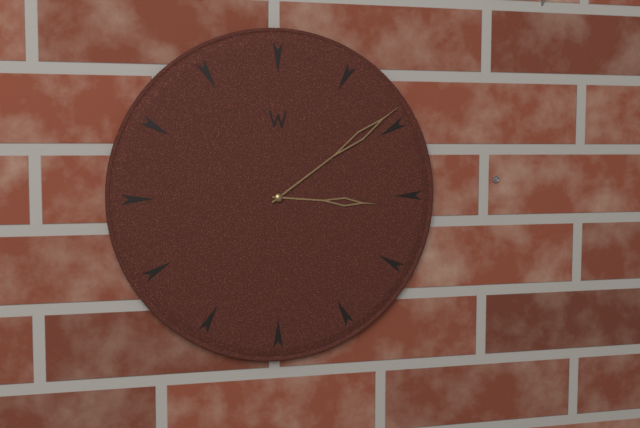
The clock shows 3 h 09 min
